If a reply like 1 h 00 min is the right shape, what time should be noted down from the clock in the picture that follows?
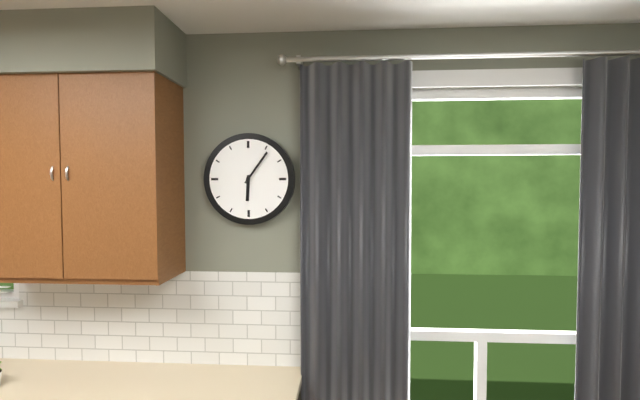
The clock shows 6 h 06 min
